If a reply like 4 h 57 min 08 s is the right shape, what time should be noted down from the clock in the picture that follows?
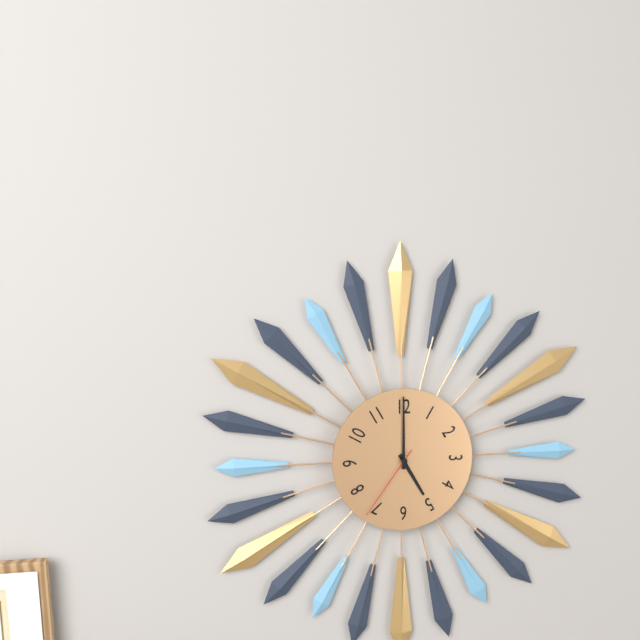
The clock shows 5 h 00 min 36 s
